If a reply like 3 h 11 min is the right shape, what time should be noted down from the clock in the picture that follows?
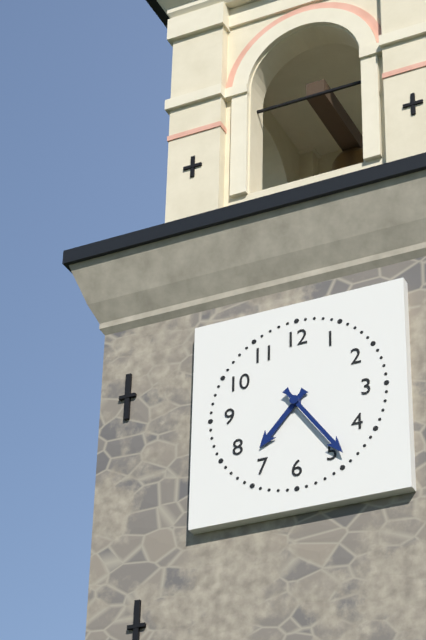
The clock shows 7 h 24 min
